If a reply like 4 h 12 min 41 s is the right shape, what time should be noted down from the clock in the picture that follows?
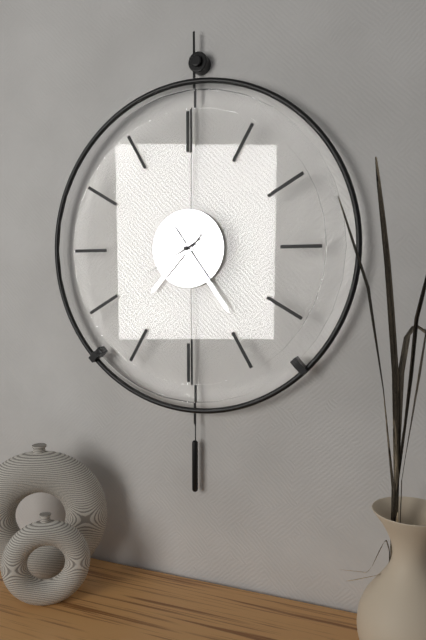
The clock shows 7 h 24 min 40 s
